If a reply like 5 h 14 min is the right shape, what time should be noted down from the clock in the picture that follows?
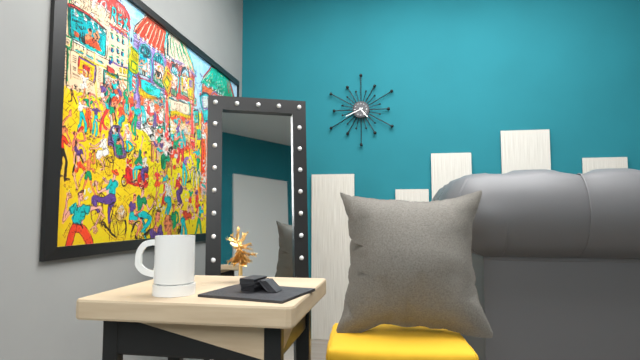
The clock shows 4 h 41 min
